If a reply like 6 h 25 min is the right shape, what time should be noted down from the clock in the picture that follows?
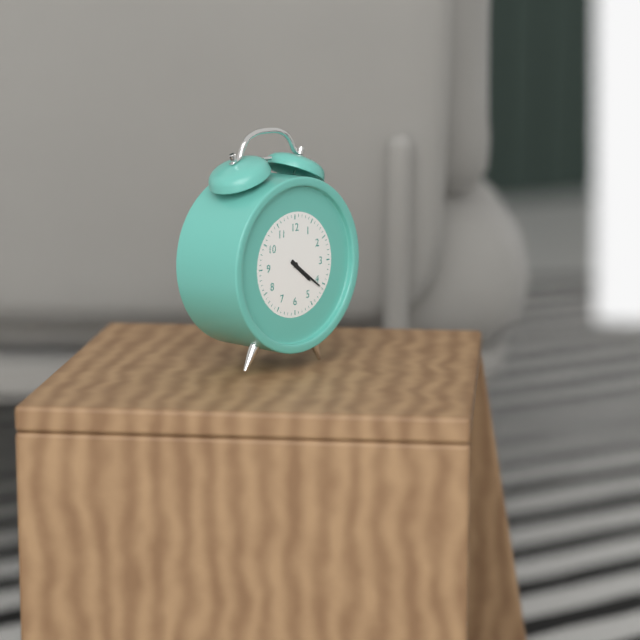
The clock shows 4 h 21 min
